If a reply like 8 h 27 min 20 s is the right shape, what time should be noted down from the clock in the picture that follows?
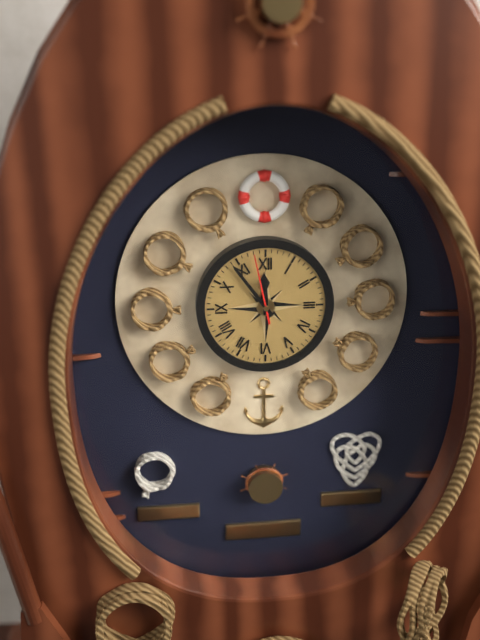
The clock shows 11 h 54 min 58 s
